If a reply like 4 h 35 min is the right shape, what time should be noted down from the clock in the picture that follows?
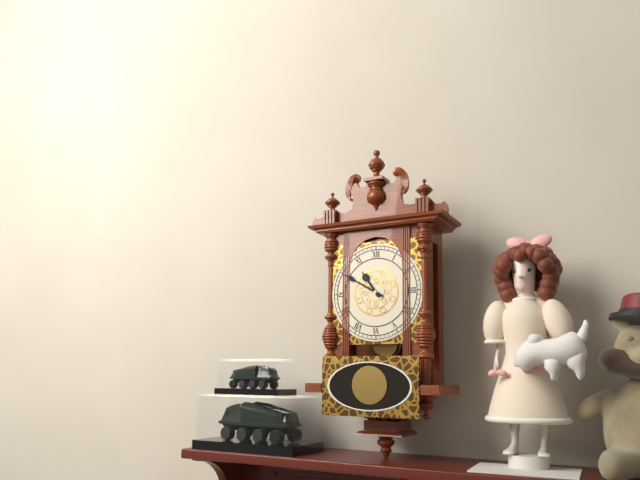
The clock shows 10 h 50 min
